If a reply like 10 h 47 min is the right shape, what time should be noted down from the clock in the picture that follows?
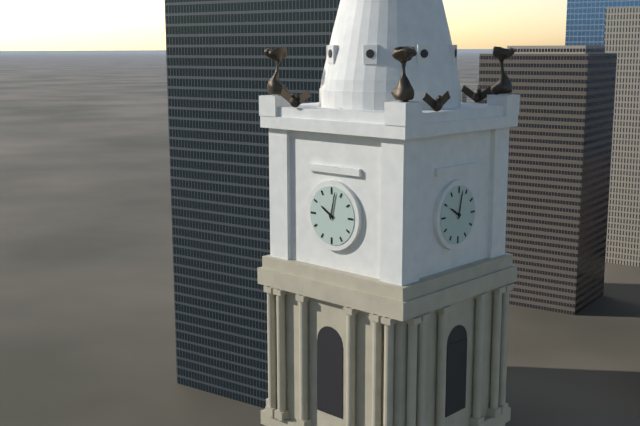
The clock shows 10 h 02 min
